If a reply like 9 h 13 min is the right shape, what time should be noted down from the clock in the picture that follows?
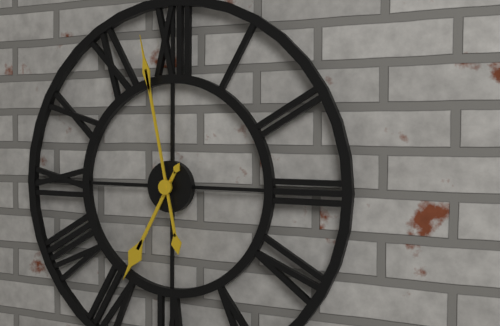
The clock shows 6 h 58 min
